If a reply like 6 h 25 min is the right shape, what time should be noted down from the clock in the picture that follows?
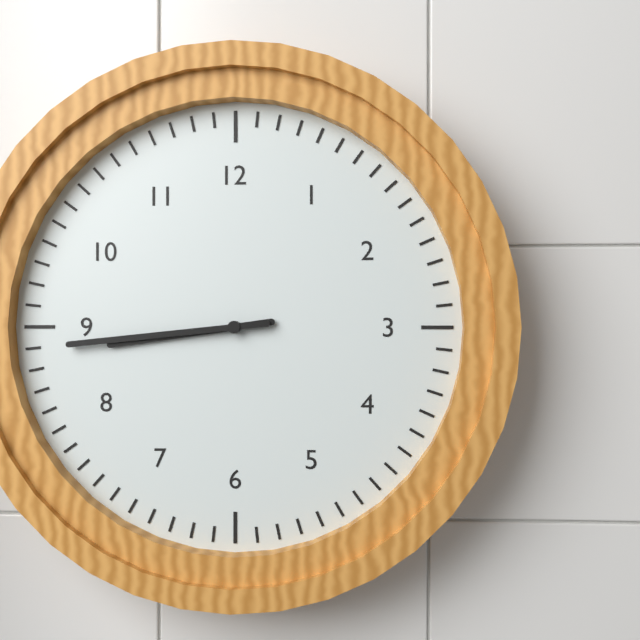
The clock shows 8 h 44 min
